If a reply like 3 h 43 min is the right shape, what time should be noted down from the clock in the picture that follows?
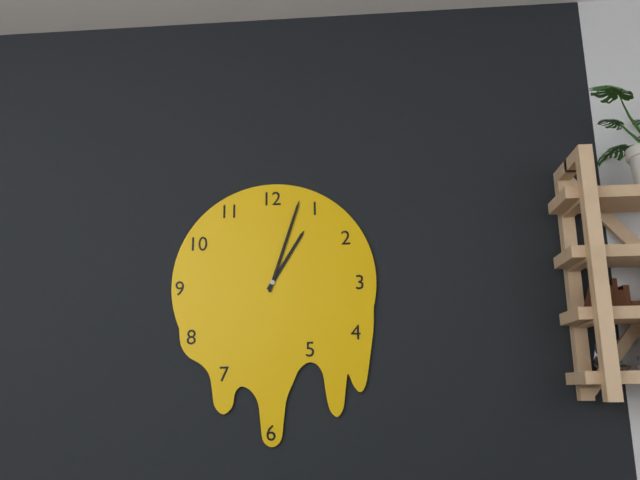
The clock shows 1 h 03 min
